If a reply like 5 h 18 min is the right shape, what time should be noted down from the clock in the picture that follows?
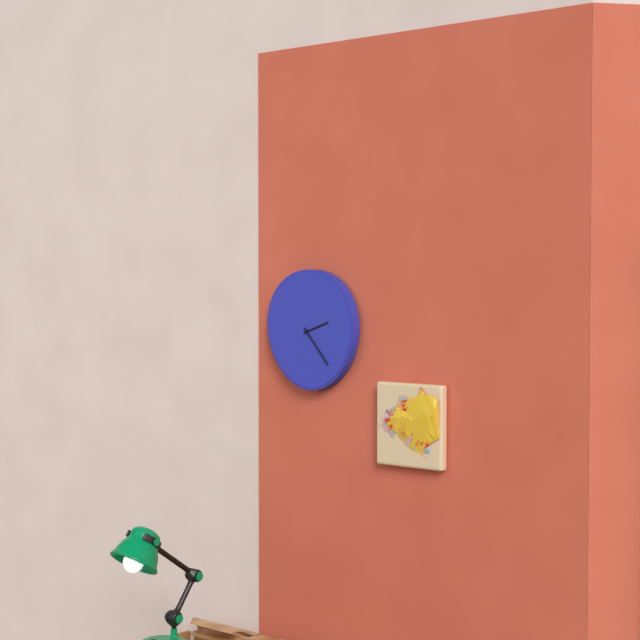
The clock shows 2 h 23 min
